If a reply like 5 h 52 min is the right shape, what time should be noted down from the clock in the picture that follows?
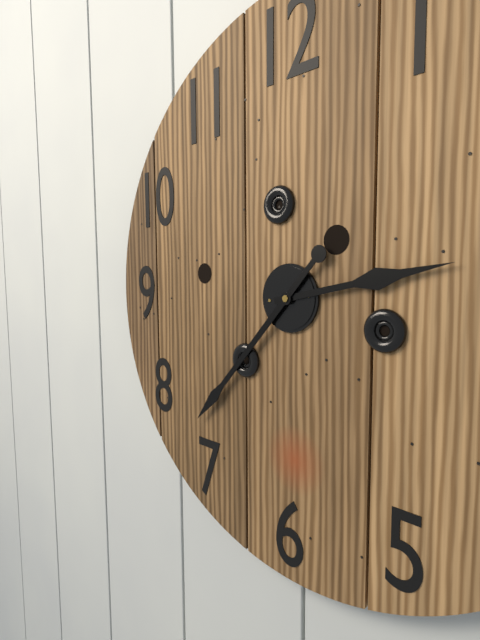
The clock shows 2 h 37 min
